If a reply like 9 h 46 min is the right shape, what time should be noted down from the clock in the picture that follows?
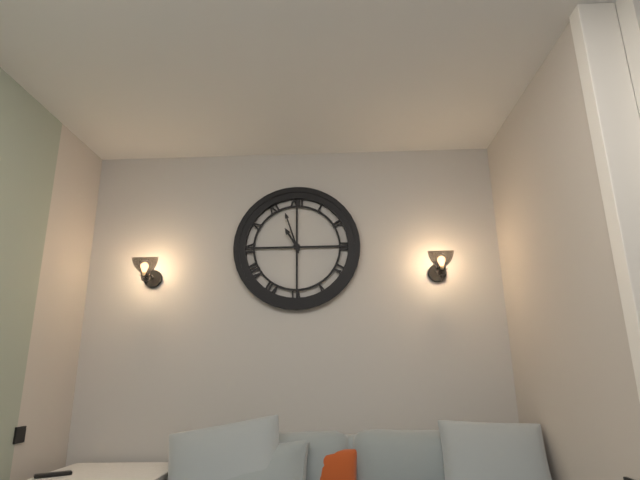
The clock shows 10 h 57 min
